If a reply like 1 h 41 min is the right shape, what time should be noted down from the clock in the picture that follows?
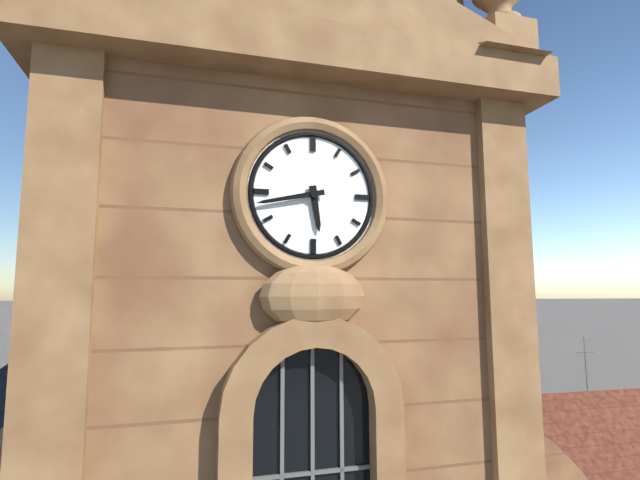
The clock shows 5 h 43 min
